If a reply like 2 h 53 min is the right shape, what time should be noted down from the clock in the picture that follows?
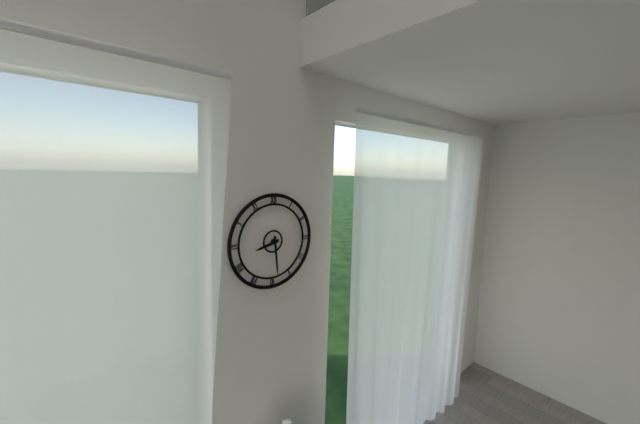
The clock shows 8 h 29 min
